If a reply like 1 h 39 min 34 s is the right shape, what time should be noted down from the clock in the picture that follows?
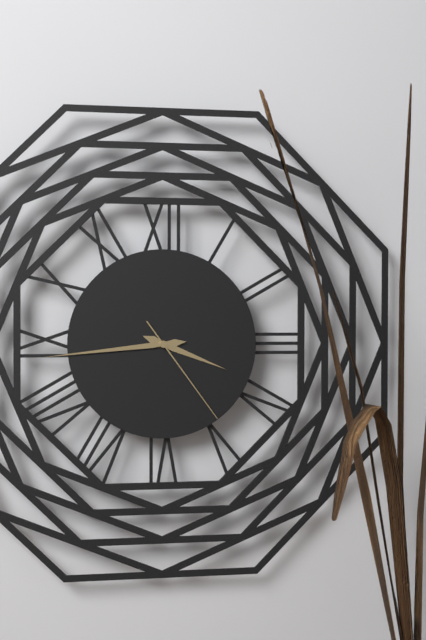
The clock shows 3 h 44 min 24 s
